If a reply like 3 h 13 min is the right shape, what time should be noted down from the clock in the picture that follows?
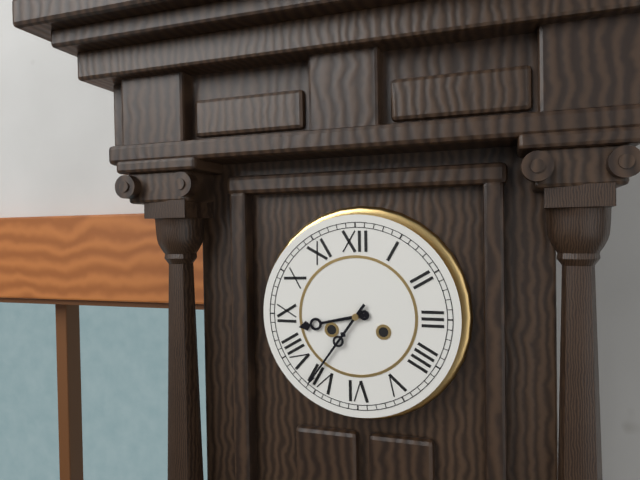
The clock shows 8 h 36 min
